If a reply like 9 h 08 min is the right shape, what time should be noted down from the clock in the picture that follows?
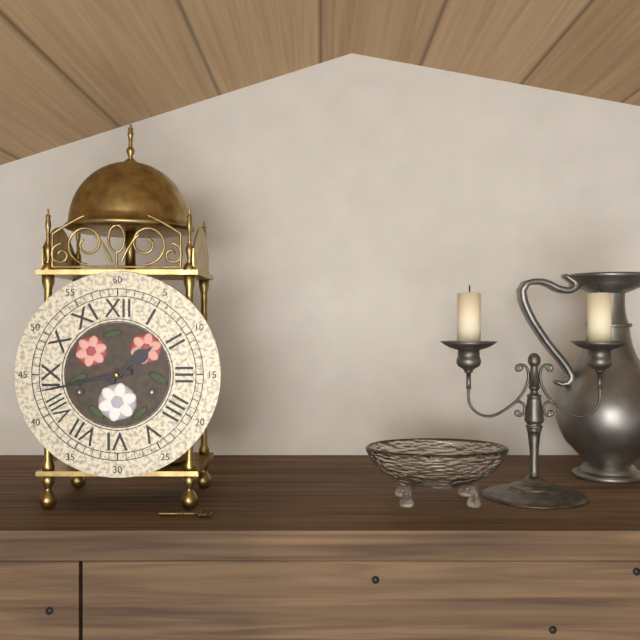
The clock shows 1 h 43 min
